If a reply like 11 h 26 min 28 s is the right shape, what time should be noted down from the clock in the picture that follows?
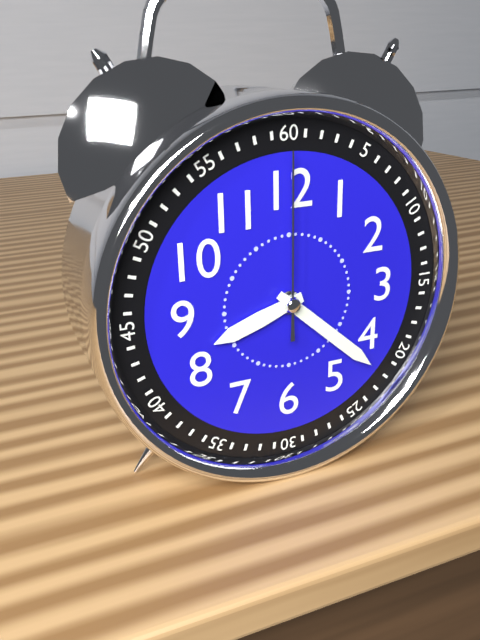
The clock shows 8 h 22 min 00 s
